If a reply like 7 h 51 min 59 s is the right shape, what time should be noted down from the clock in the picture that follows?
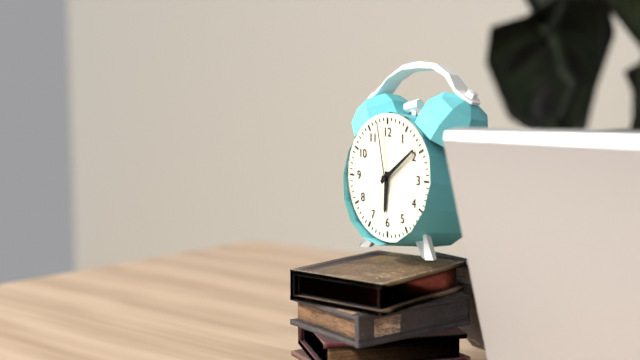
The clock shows 6 h 09 min 58 s
